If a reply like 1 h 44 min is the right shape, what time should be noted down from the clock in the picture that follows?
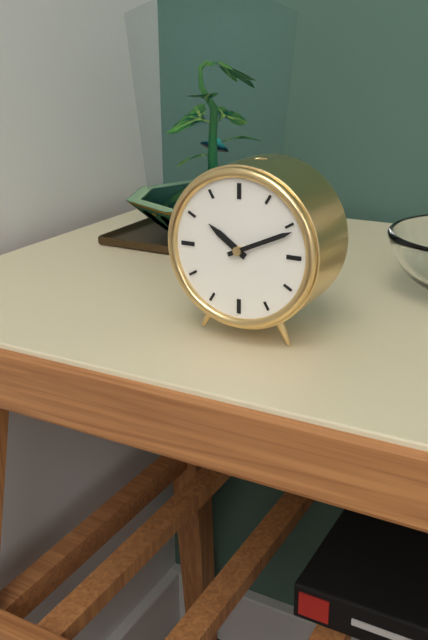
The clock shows 10 h 11 min
